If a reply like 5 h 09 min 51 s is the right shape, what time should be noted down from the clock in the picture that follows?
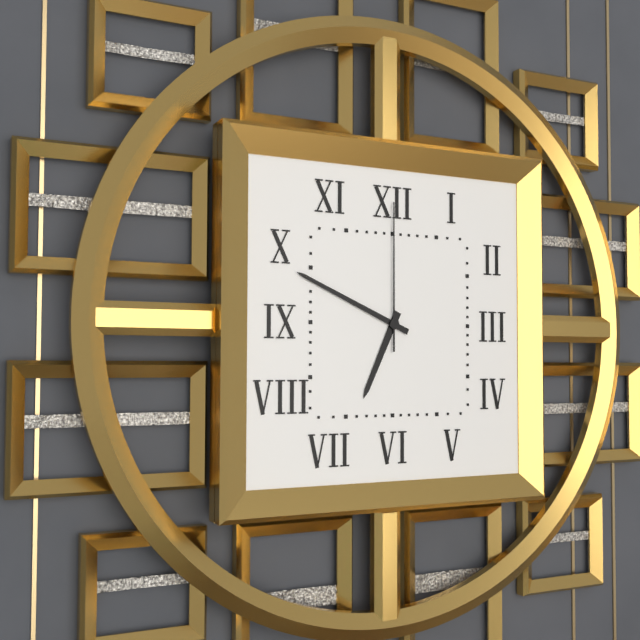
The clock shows 6 h 49 min 00 s
